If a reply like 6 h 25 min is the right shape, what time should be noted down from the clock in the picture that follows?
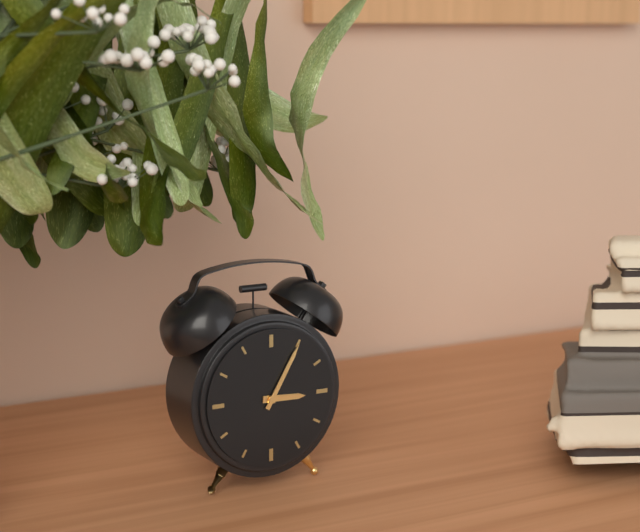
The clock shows 3 h 05 min
